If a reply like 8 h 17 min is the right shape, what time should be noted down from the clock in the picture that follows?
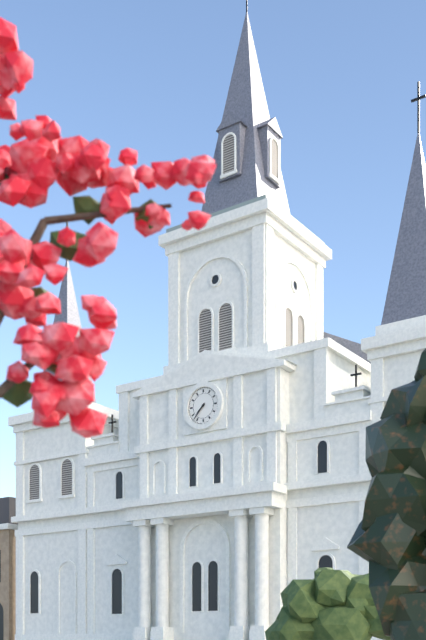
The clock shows 7 h 37 min
